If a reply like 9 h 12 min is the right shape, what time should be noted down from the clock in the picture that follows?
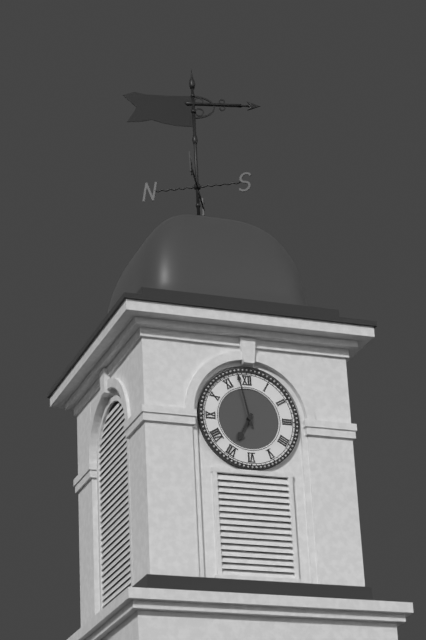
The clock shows 6 h 58 min
